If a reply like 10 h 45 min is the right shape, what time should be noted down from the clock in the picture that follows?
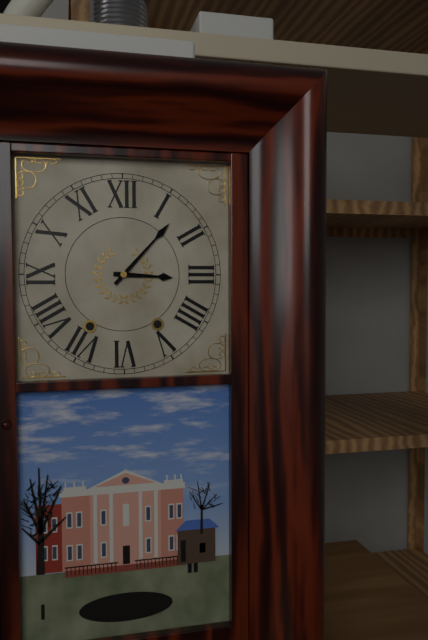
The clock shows 3 h 07 min
